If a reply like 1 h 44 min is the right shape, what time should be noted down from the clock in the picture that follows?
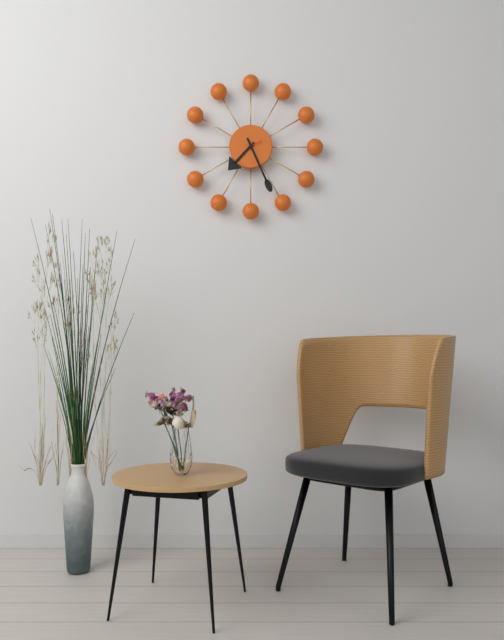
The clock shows 7 h 26 min
